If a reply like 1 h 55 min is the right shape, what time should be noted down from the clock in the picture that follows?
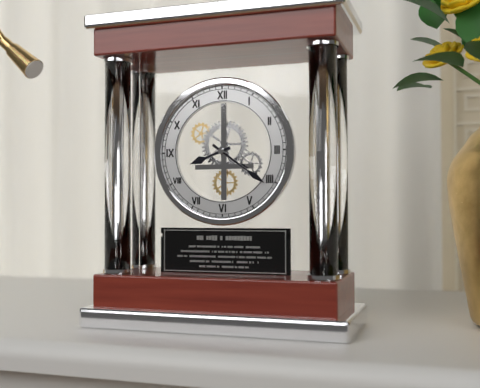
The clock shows 8 h 21 min
